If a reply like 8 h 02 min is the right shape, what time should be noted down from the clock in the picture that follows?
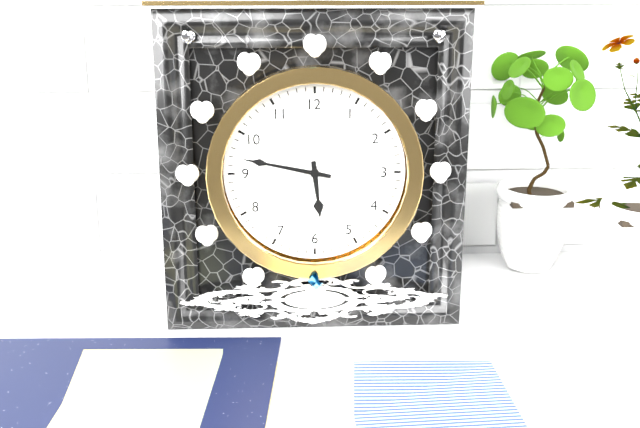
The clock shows 5 h 47 min
